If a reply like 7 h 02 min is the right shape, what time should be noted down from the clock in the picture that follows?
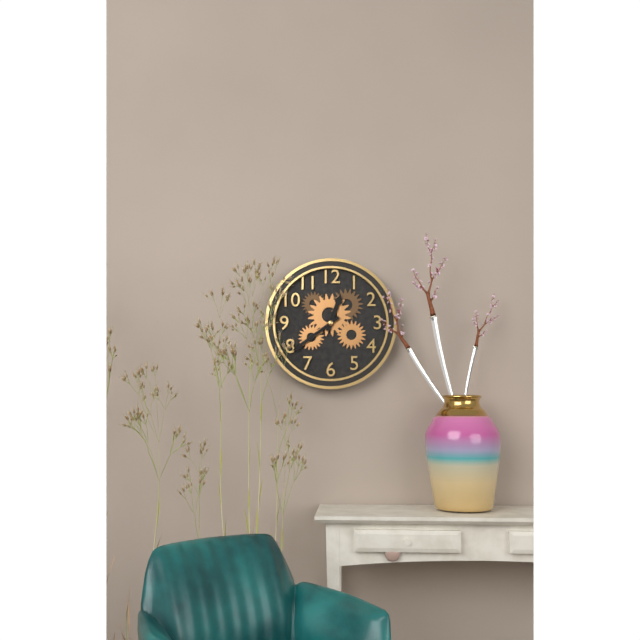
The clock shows 12 h 39 min
